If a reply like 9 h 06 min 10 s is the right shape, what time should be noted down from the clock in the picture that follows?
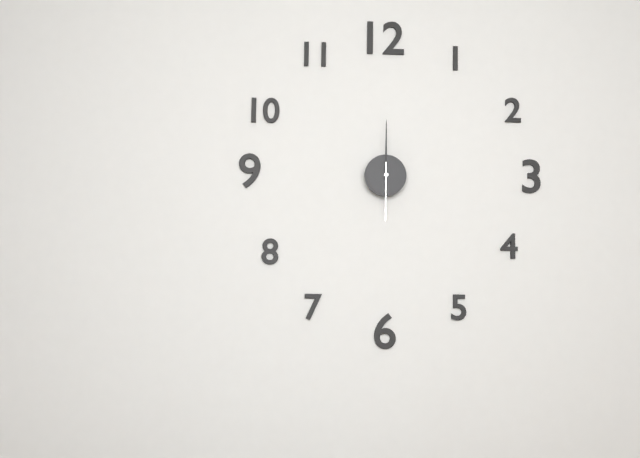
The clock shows 6 h 00 min 30 s
